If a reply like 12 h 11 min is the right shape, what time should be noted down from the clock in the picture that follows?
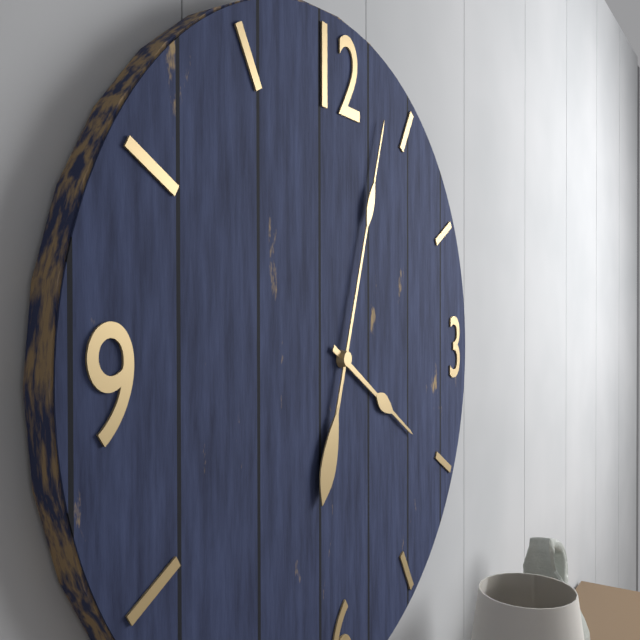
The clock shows 4 h 03 min
